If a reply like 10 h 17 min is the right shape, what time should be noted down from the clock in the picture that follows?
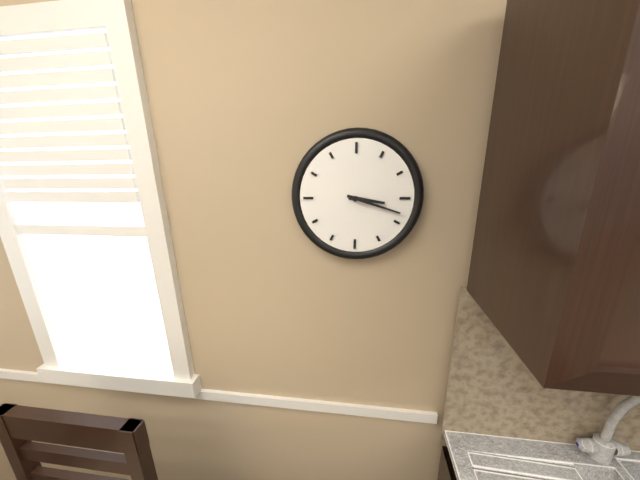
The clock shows 3 h 18 min
